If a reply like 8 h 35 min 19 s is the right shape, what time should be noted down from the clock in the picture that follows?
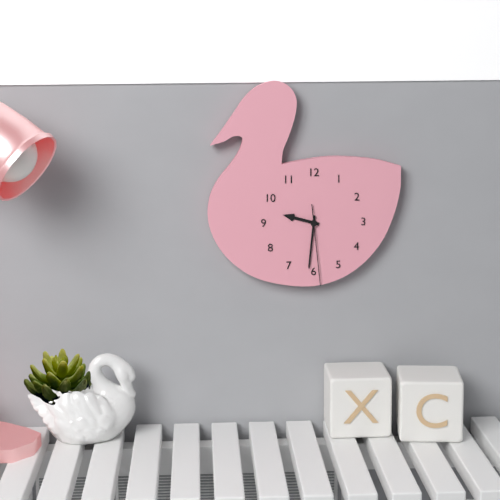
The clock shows 9 h 31 min 29 s
